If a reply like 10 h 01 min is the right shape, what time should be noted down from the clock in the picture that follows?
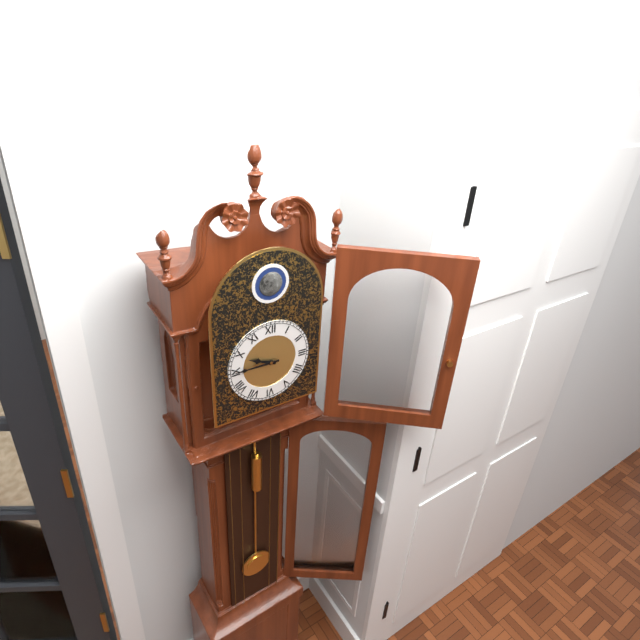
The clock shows 9 h 45 min
